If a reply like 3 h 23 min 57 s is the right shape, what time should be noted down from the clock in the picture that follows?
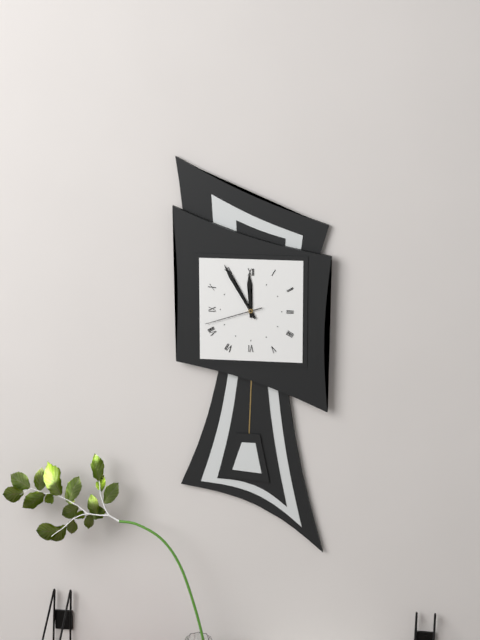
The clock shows 11 h 55 min 42 s
